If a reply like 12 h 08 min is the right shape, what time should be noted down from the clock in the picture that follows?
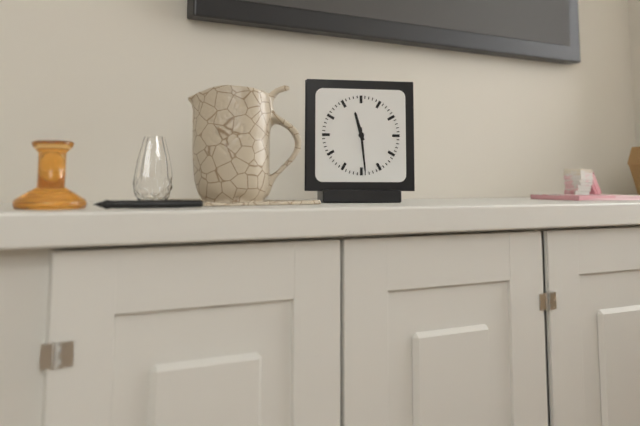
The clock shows 11 h 29 min
